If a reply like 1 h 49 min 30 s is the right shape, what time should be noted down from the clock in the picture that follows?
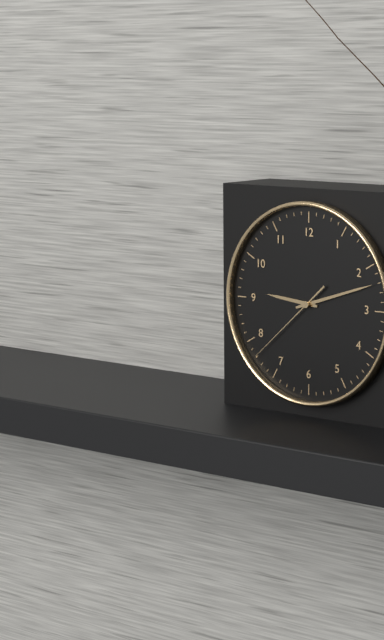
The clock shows 9 h 12 min 38 s
